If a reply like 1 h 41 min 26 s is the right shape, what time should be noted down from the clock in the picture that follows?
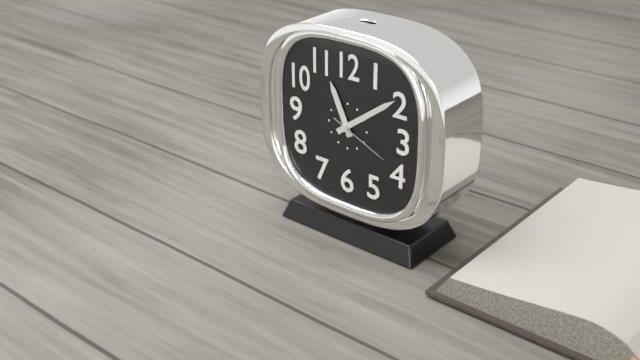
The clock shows 11 h 09 min 19 s
